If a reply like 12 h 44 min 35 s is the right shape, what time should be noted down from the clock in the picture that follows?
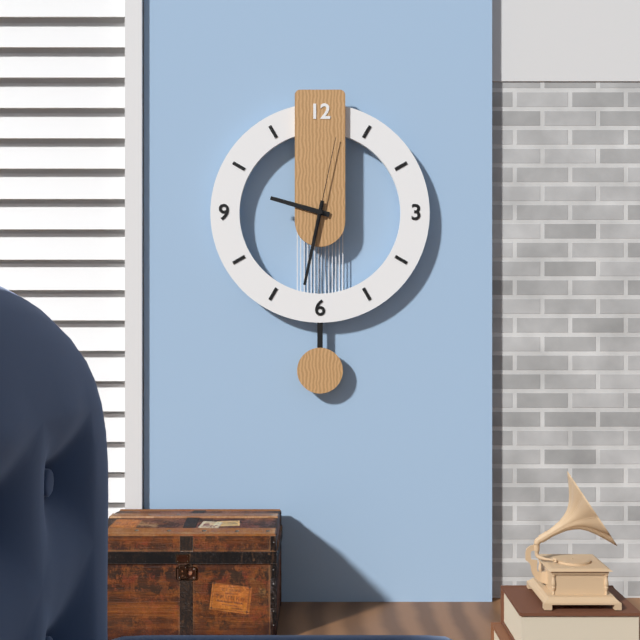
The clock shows 9 h 32 min 02 s
